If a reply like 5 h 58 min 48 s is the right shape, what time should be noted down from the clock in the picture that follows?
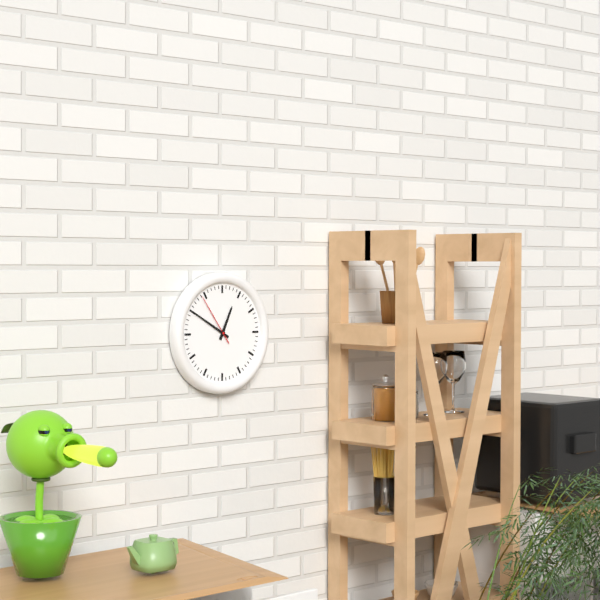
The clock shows 12 h 50 min 54 s
